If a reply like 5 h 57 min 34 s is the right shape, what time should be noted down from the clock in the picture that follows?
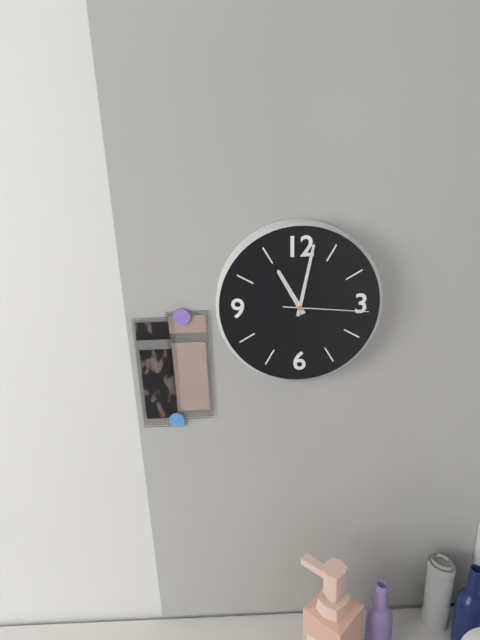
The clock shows 11 h 02 min 16 s
